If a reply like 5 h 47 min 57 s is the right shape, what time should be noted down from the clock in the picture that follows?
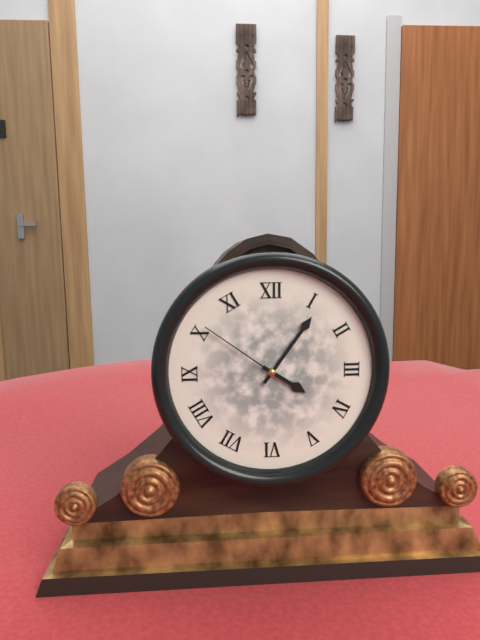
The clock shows 4 h 06 min 51 s
